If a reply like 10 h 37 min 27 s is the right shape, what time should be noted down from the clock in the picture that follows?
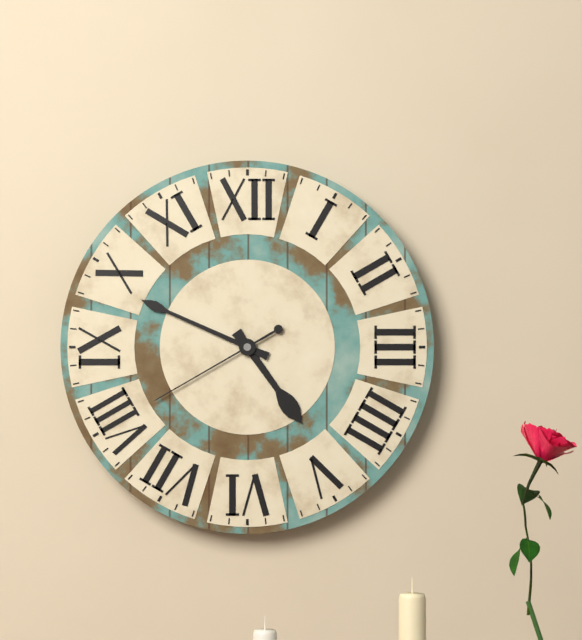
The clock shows 4 h 49 min 40 s
